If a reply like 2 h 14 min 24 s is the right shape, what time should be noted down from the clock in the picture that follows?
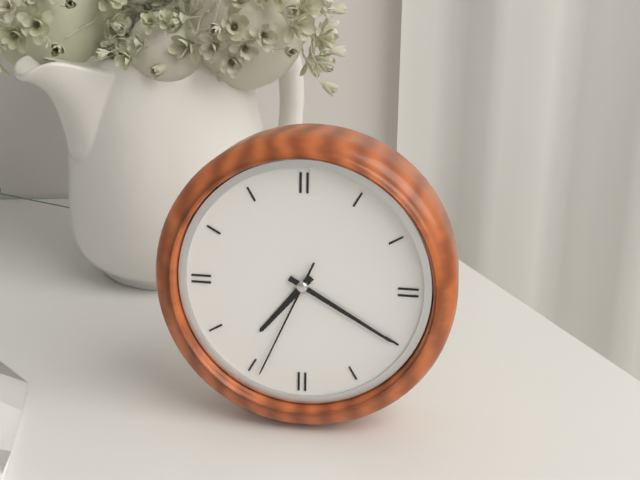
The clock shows 7 h 20 min 34 s
